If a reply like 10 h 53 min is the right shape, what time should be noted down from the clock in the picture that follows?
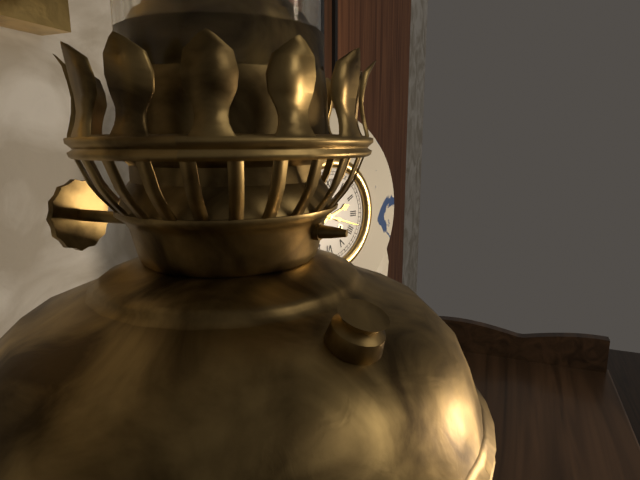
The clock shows 2 h 18 min
